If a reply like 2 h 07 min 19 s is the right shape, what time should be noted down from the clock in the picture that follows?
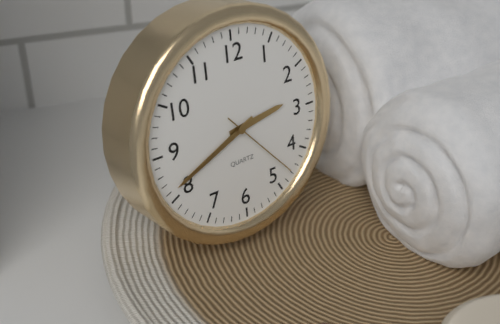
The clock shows 2 h 41 min 23 s
